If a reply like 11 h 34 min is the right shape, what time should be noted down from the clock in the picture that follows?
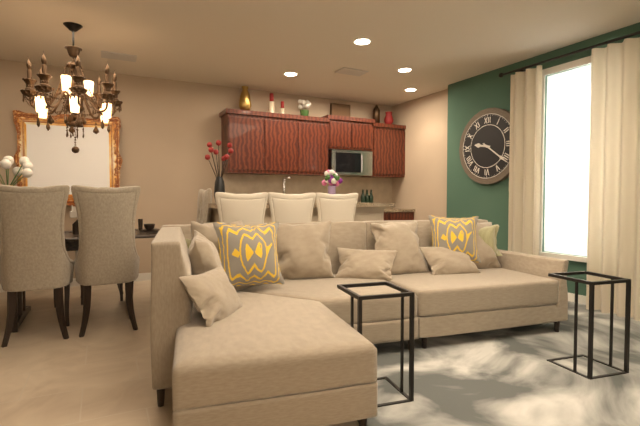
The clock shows 9 h 21 min
